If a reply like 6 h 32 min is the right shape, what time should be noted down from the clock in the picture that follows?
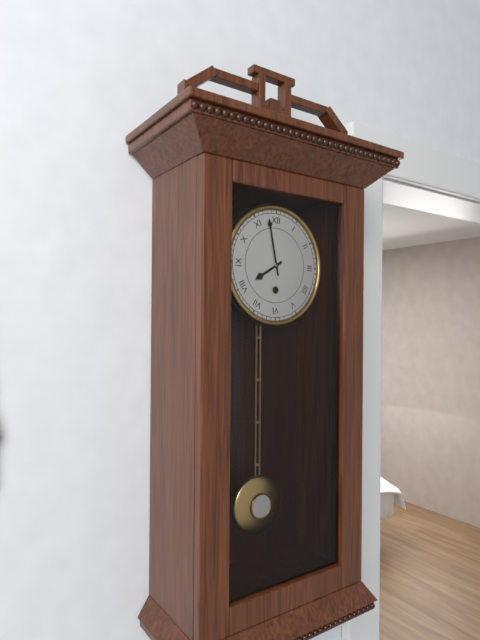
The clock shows 7 h 58 min
